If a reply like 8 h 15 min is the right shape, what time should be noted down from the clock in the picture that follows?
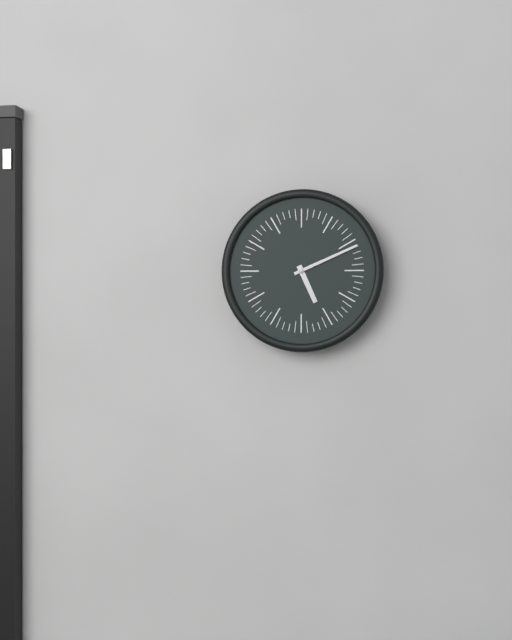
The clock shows 5 h 11 min
